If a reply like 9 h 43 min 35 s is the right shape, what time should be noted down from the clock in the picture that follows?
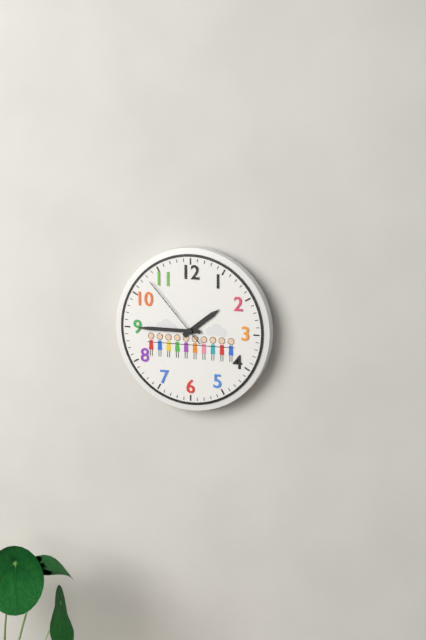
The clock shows 1 h 45 min 53 s
